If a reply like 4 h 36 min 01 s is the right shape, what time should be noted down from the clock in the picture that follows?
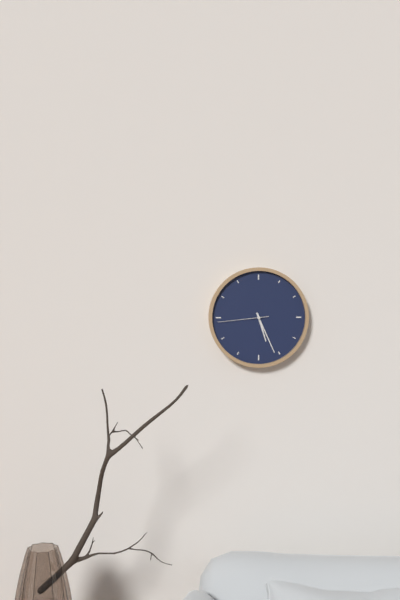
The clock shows 5 h 26 min 44 s
